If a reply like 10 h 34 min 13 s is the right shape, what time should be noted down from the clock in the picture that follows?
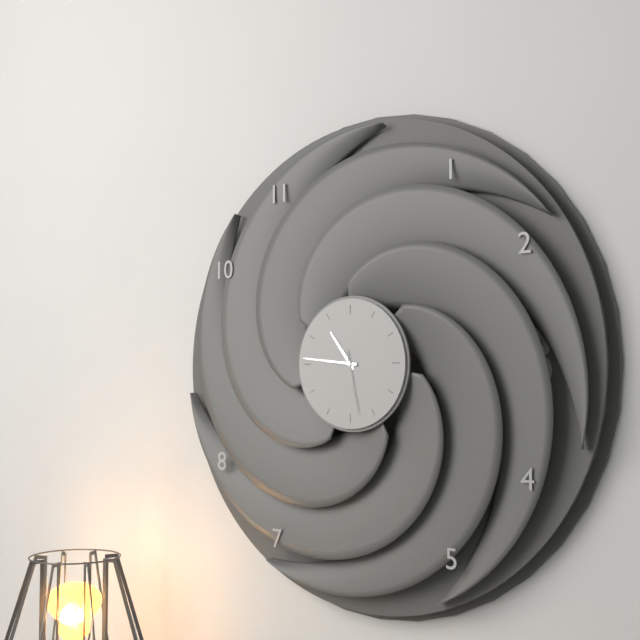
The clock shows 10 h 46 min 28 s
